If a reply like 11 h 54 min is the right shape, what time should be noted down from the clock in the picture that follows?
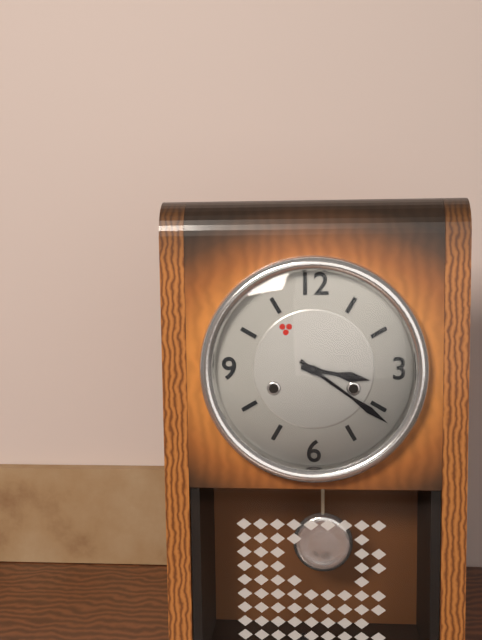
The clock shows 3 h 21 min
